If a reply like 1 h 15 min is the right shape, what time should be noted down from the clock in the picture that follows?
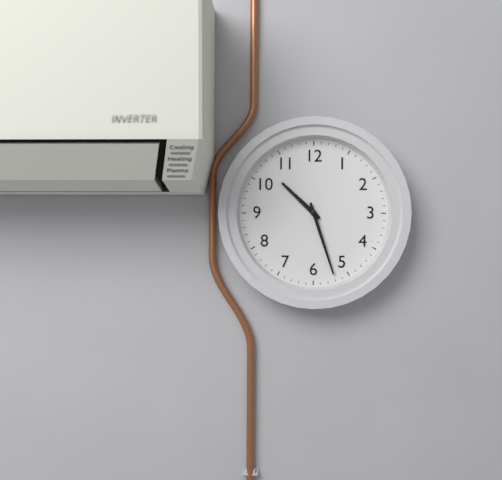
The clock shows 10 h 27 min
